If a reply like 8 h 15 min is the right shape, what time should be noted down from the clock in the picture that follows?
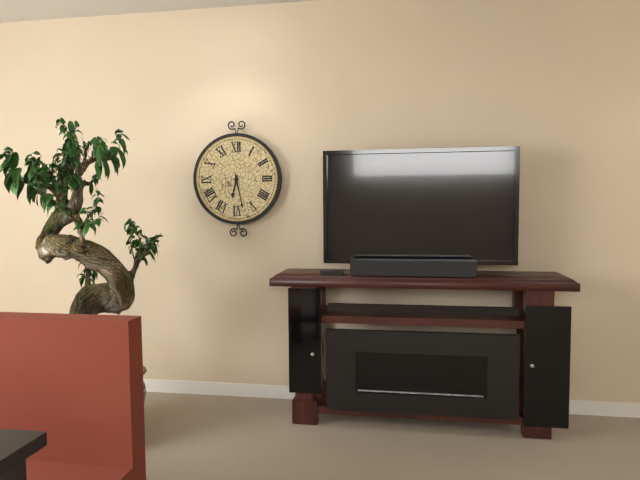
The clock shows 6 h 28 min
